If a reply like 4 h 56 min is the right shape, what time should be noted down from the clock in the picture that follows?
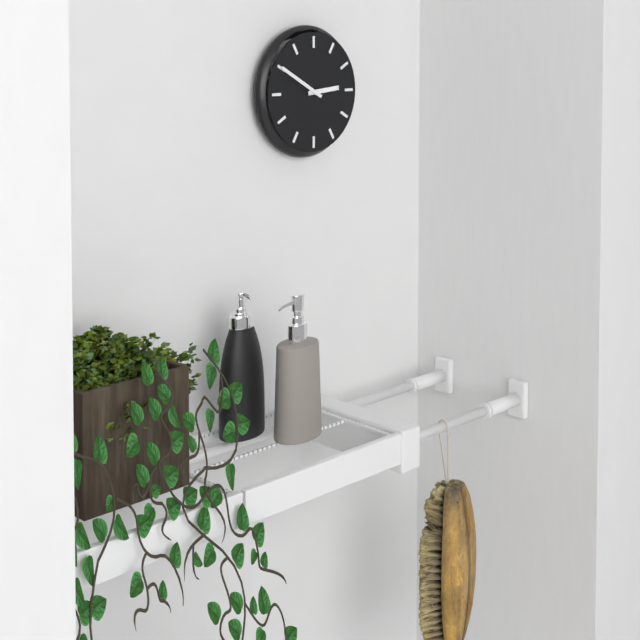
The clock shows 2 h 50 min
